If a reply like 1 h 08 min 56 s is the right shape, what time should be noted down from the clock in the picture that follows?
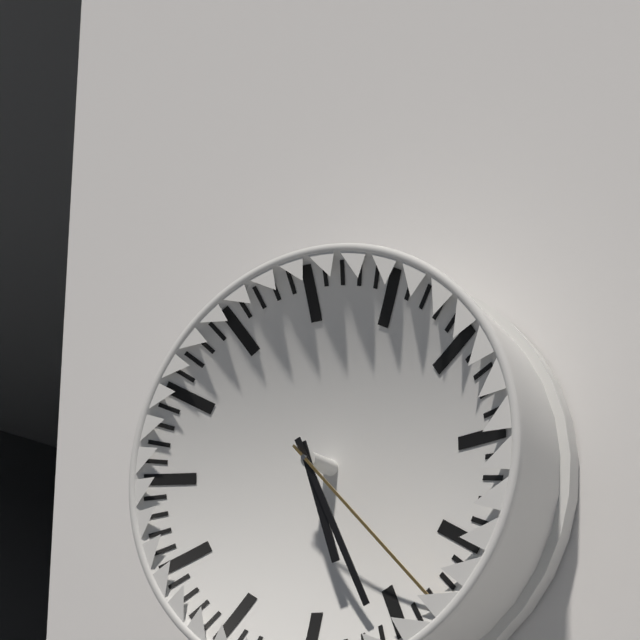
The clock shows 5 h 26 min 23 s
